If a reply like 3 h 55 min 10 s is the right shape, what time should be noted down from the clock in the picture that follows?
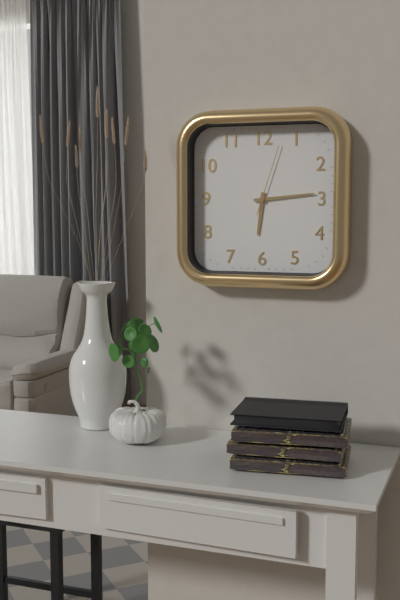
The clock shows 6 h 14 min 03 s
